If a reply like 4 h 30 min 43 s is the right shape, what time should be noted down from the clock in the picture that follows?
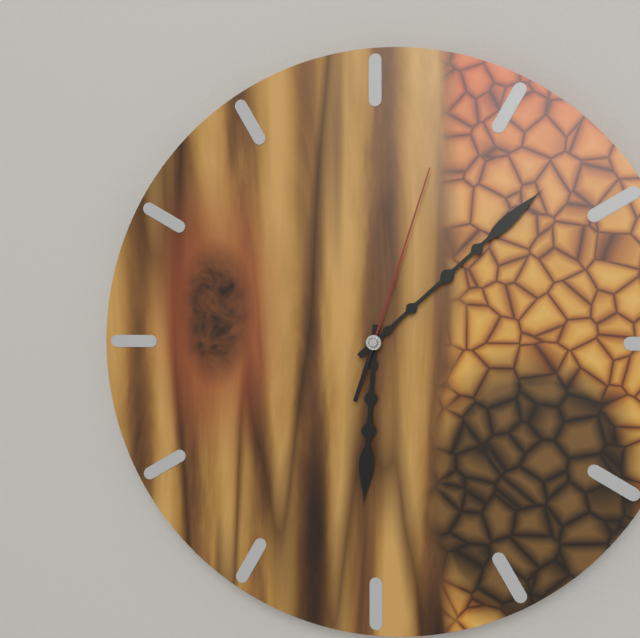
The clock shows 6 h 08 min 03 s
